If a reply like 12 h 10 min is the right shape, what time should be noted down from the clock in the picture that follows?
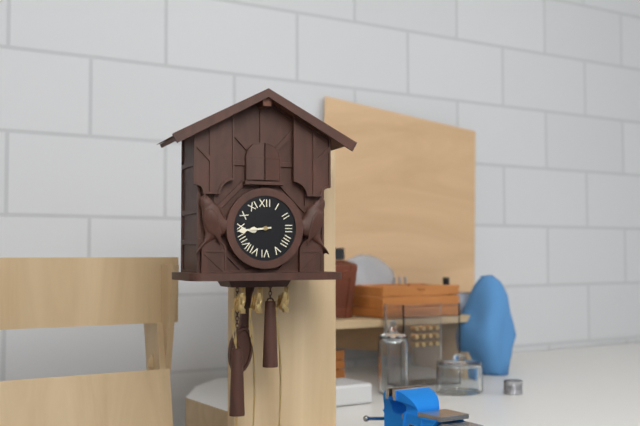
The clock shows 8 h 44 min
